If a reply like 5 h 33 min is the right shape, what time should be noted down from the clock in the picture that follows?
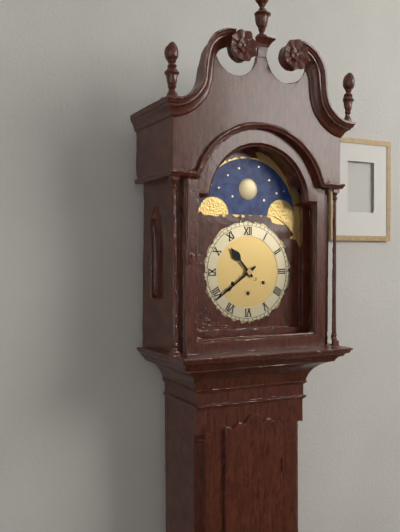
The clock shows 10 h 39 min
